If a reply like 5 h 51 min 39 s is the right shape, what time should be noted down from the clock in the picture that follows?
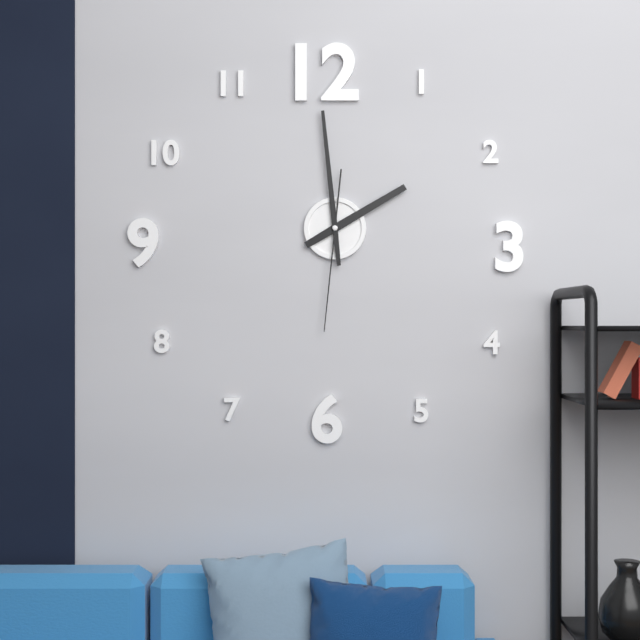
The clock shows 1 h 59 min 31 s
